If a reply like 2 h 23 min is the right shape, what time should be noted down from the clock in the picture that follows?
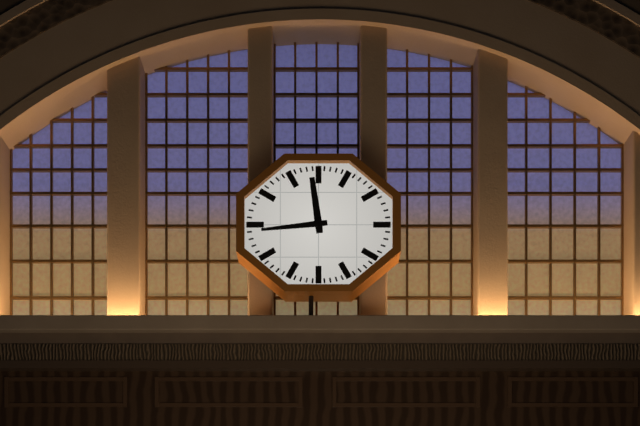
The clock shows 11 h 44 min
